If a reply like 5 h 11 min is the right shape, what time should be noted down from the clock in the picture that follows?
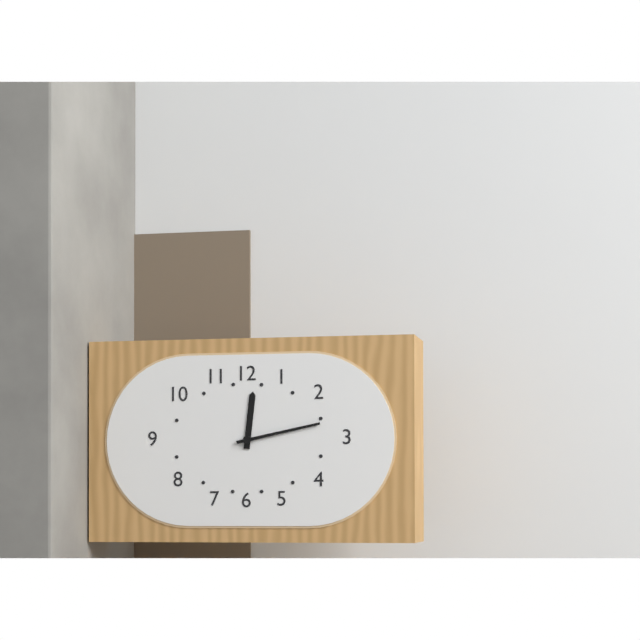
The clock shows 12 h 13 min
